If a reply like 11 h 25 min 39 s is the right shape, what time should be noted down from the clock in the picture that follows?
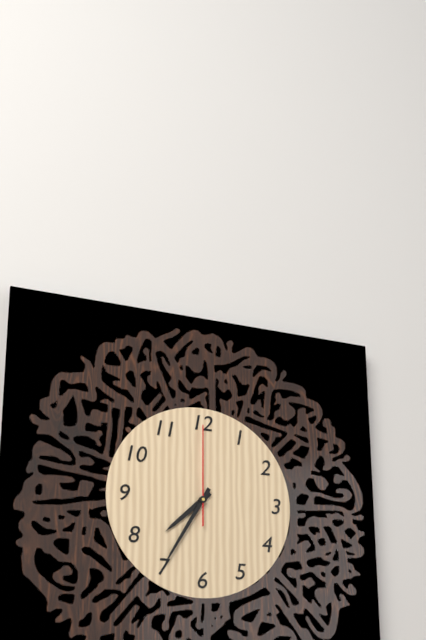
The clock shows 7 h 35 min 00 s
